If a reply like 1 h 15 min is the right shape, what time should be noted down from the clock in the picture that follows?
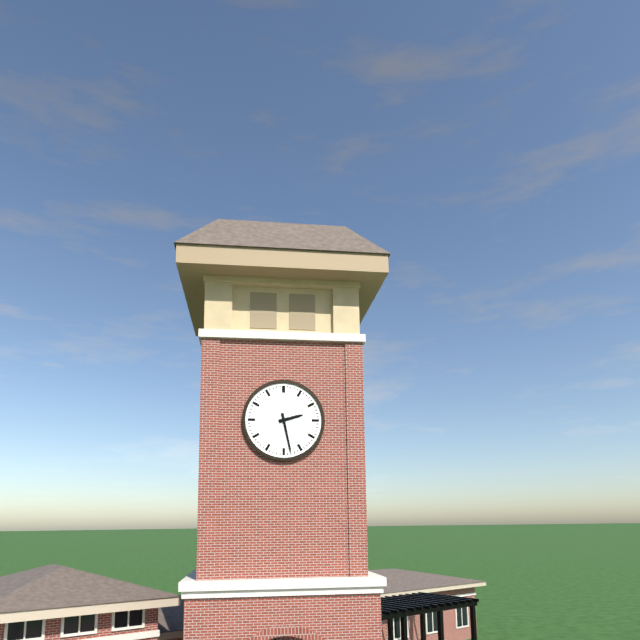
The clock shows 2 h 28 min
